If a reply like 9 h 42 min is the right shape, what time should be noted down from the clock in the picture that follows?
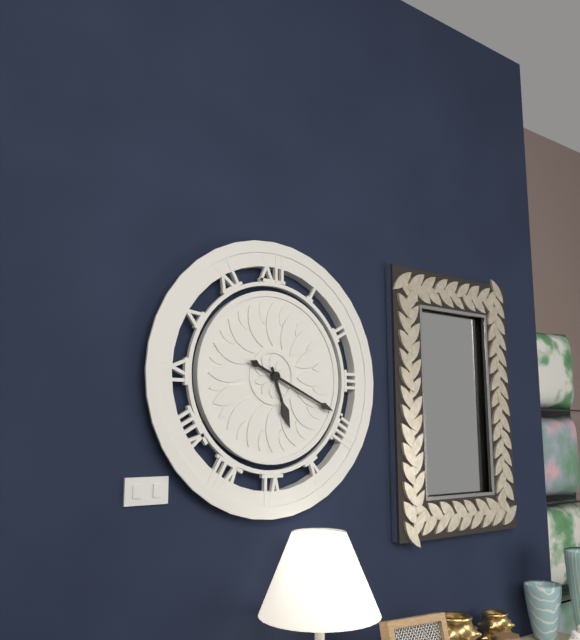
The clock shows 5 h 19 min
